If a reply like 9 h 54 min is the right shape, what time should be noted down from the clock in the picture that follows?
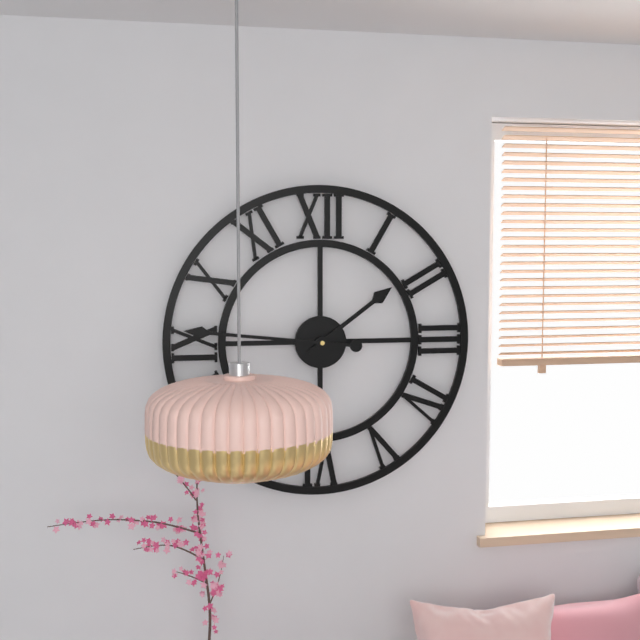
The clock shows 1 h 46 min
